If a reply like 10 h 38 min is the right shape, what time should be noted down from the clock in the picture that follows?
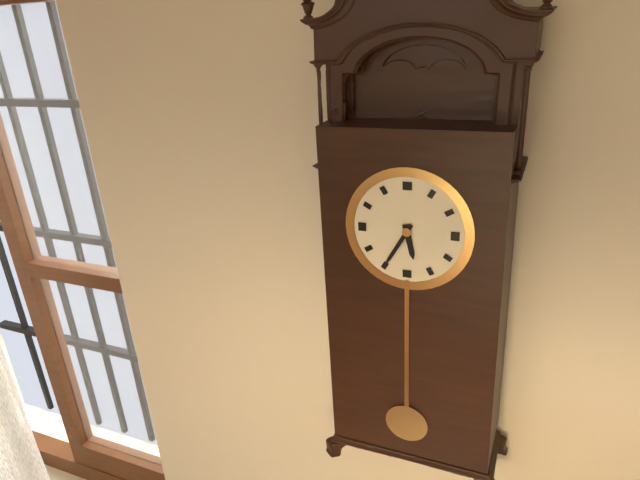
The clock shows 5 h 35 min
